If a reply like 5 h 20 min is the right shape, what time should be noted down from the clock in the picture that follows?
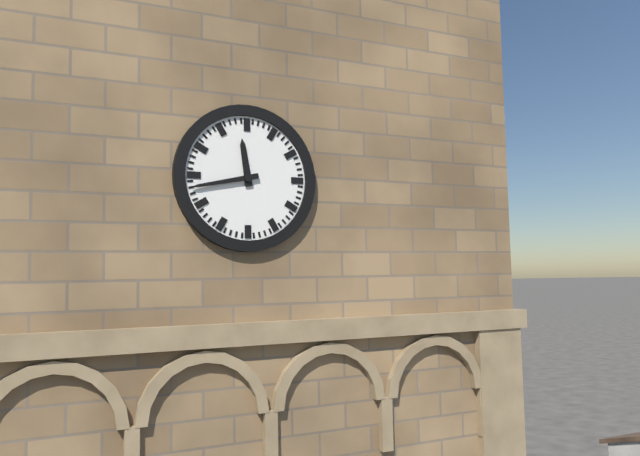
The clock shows 11 h 43 min
